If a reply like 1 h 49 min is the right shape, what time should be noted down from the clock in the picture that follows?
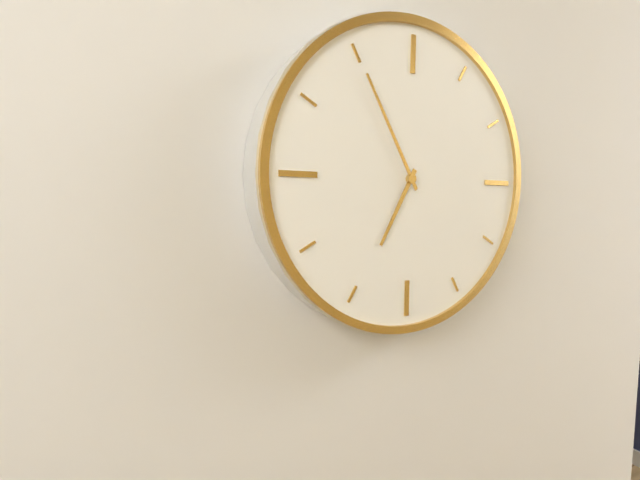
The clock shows 6 h 55 min
